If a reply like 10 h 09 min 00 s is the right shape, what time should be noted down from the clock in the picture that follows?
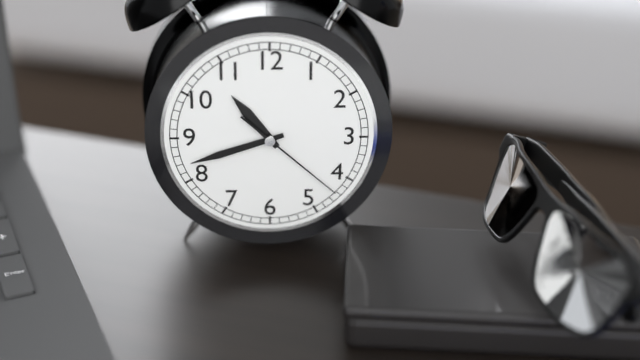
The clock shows 10 h 42 min 22 s
